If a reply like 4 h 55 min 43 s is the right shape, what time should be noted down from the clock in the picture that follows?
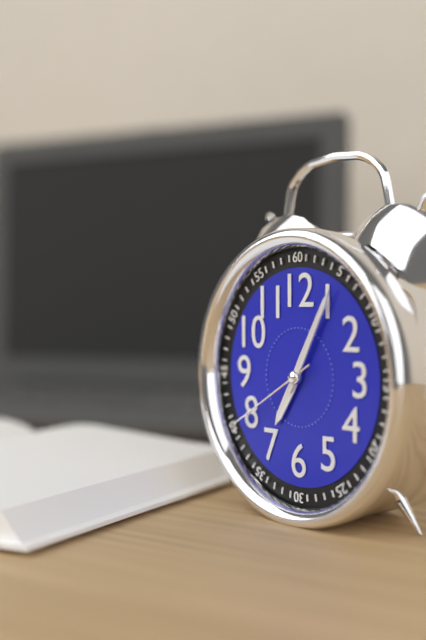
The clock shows 7 h 05 min 40 s
